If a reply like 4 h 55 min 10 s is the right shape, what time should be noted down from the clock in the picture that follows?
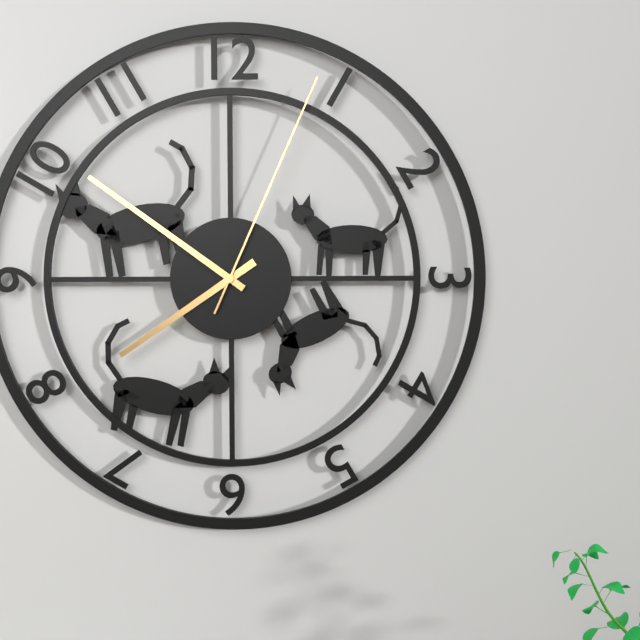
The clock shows 7 h 51 min 04 s
